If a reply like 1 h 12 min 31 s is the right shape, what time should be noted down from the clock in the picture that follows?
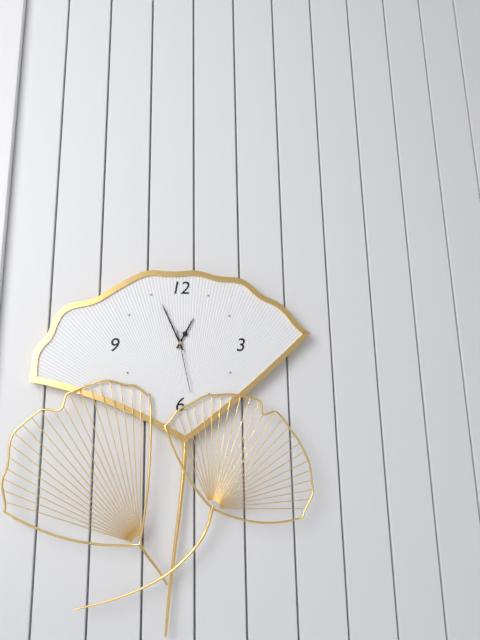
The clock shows 12 h 56 min 28 s
